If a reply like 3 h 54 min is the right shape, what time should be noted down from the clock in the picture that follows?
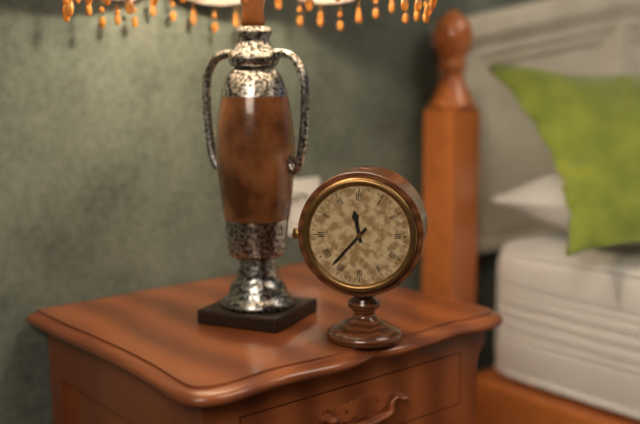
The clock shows 11 h 37 min
